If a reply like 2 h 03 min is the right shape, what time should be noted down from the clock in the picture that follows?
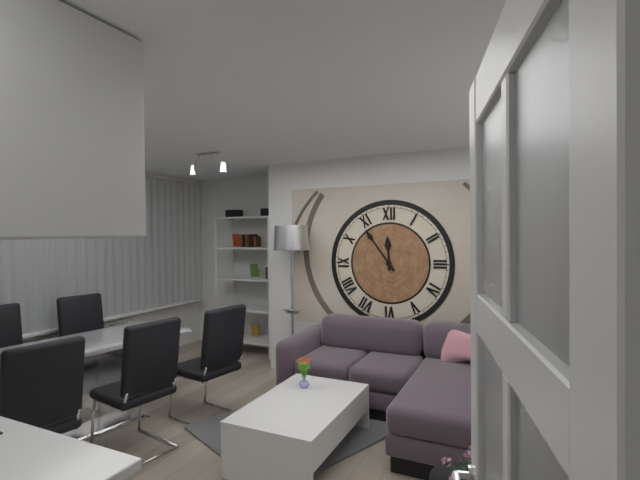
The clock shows 11 h 54 min
